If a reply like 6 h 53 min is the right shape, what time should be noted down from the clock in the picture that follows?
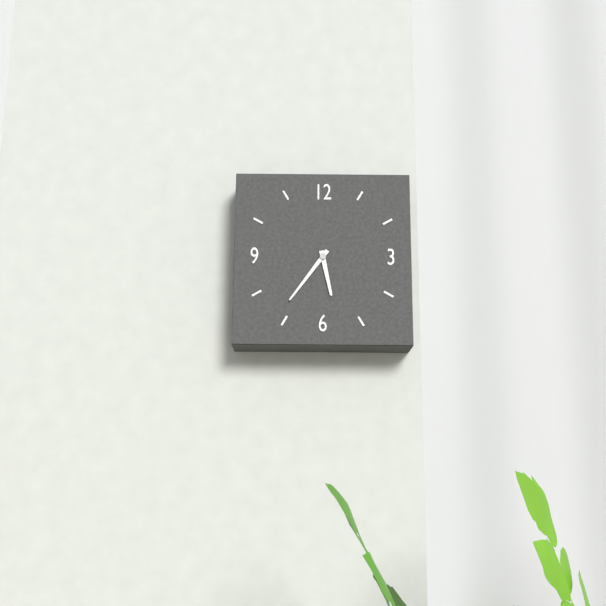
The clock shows 5 h 36 min
